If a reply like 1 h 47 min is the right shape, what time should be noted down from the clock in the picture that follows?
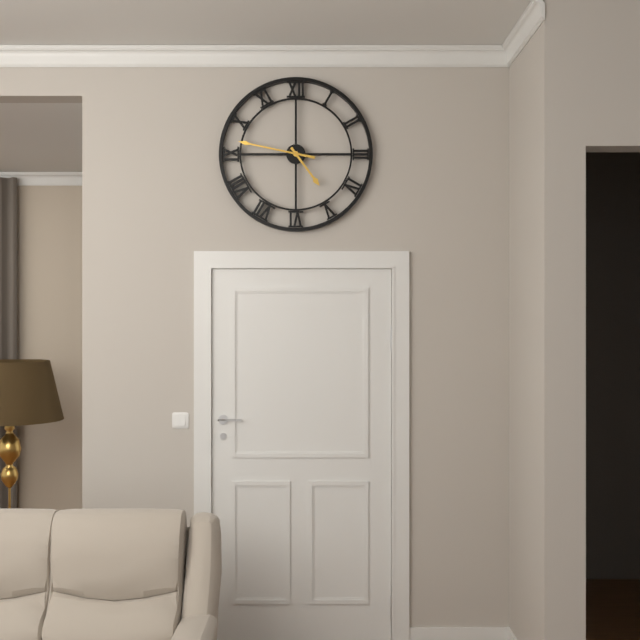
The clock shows 4 h 47 min
